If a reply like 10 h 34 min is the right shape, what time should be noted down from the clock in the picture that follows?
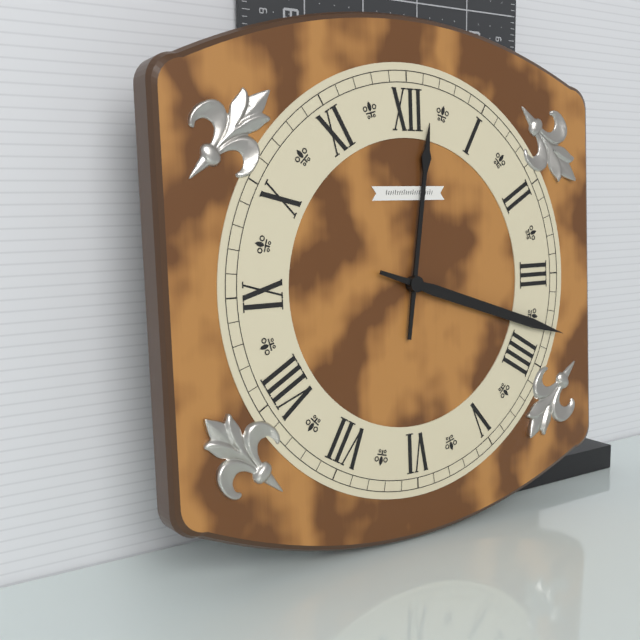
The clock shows 12 h 18 min
